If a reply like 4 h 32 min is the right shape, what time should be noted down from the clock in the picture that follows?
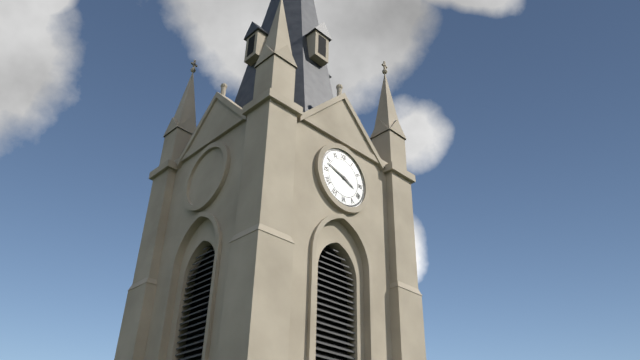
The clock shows 3 h 48 min
